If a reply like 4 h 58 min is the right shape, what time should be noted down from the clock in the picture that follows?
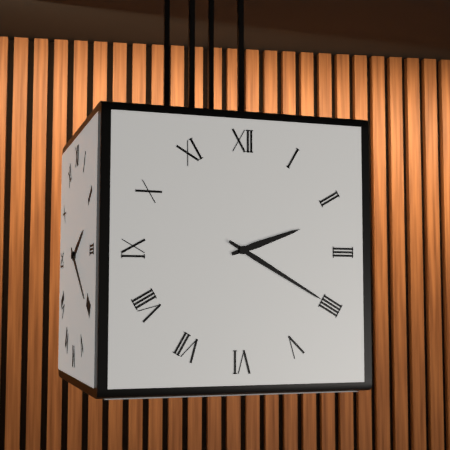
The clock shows 2 h 20 min
